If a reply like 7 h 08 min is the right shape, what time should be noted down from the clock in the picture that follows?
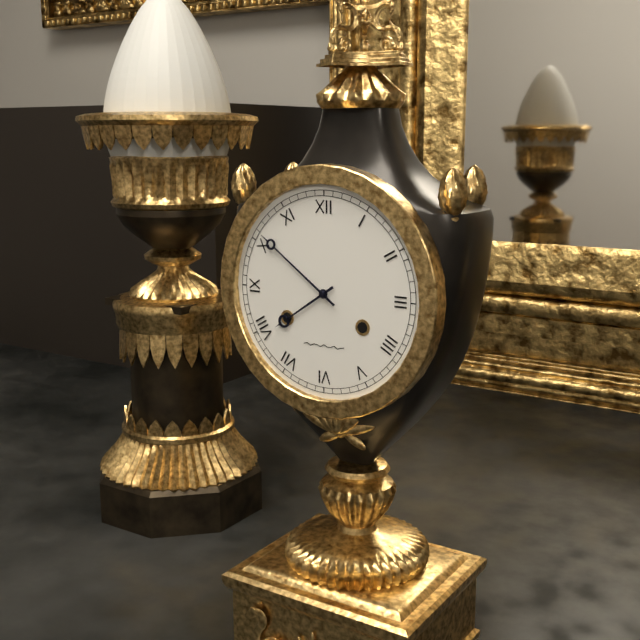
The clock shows 7 h 51 min
